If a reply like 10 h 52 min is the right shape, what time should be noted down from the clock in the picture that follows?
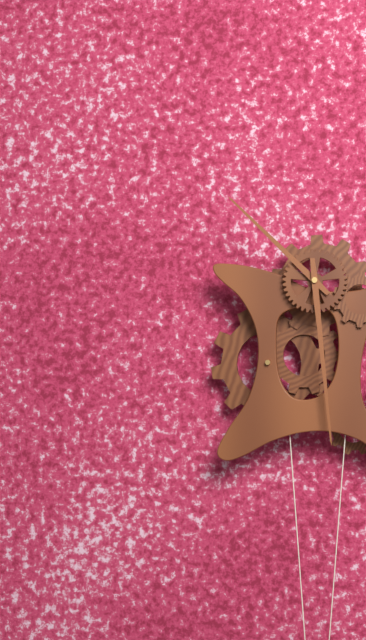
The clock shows 10 h 29 min
